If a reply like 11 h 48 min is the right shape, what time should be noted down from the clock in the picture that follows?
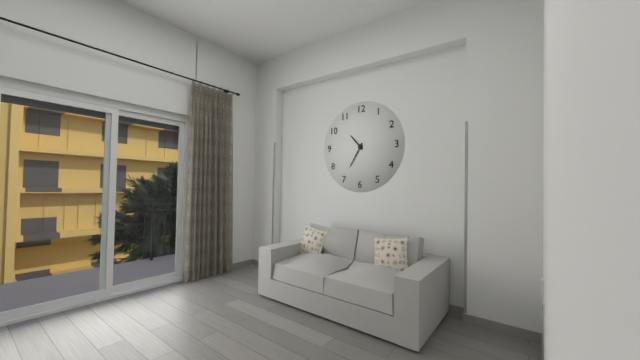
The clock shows 10 h 35 min
